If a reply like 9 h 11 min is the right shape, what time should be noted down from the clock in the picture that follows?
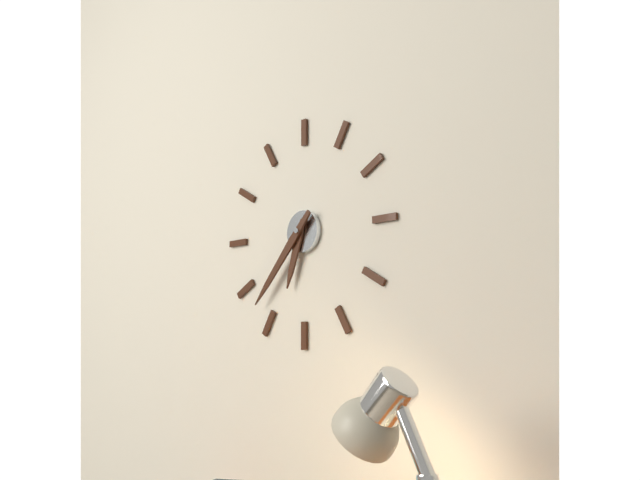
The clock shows 6 h 37 min
